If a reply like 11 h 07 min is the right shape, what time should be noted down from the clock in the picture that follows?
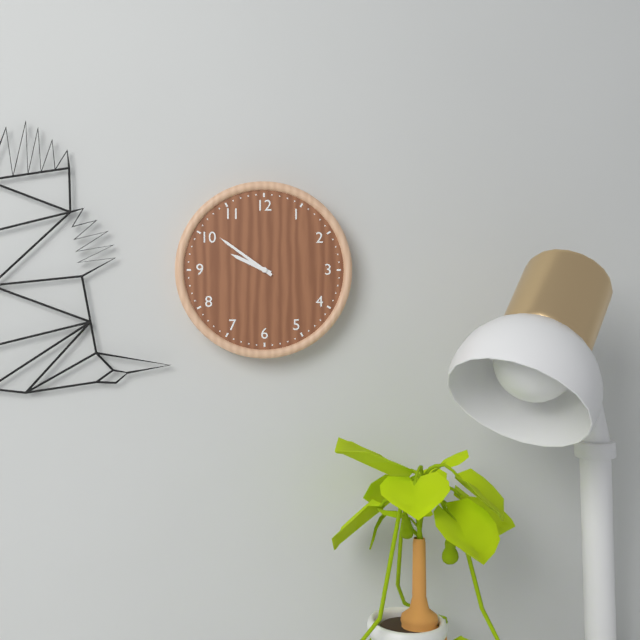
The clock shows 9 h 51 min
